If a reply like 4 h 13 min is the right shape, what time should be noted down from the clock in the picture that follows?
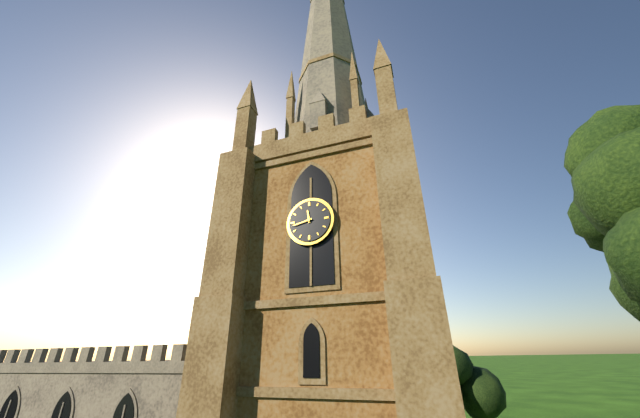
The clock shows 11 h 43 min
